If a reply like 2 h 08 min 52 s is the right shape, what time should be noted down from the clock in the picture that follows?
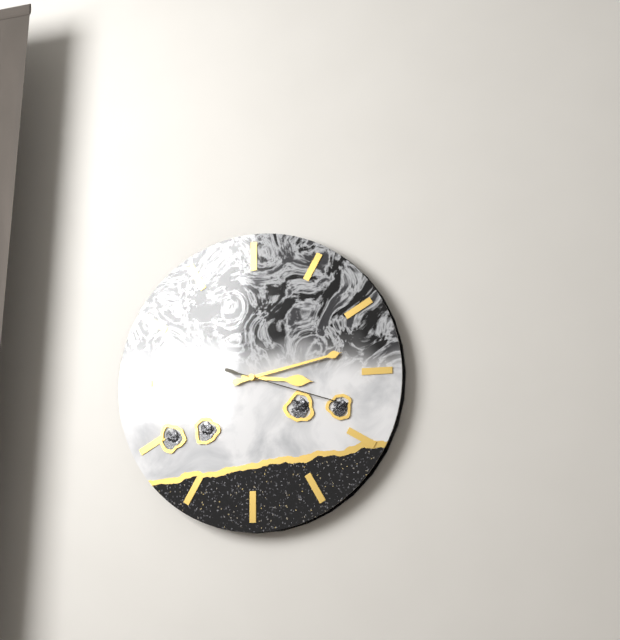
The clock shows 3 h 13 min 18 s
